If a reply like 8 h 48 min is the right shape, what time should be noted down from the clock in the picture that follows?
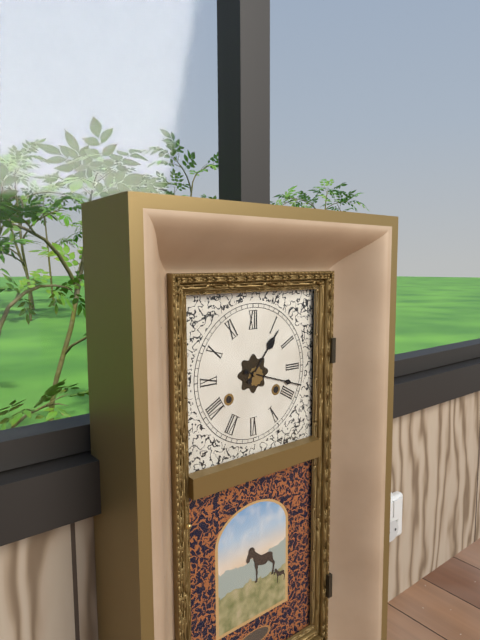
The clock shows 1 h 18 min
